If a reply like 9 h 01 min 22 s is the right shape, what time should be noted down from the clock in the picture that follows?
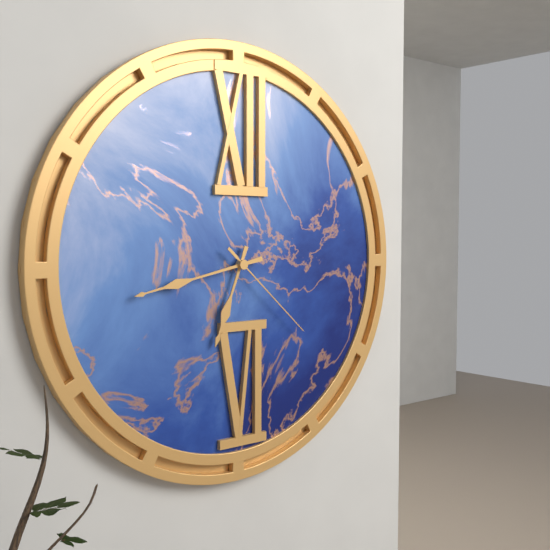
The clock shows 6 h 43 min 22 s
